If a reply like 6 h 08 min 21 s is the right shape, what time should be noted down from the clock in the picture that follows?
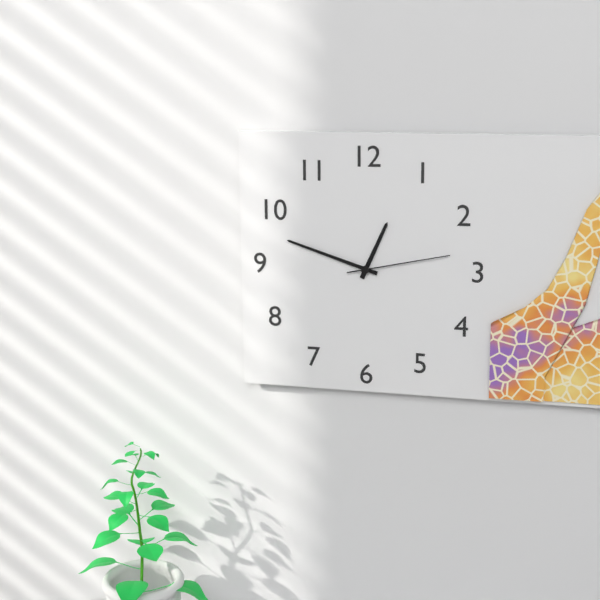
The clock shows 12 h 48 min 13 s
